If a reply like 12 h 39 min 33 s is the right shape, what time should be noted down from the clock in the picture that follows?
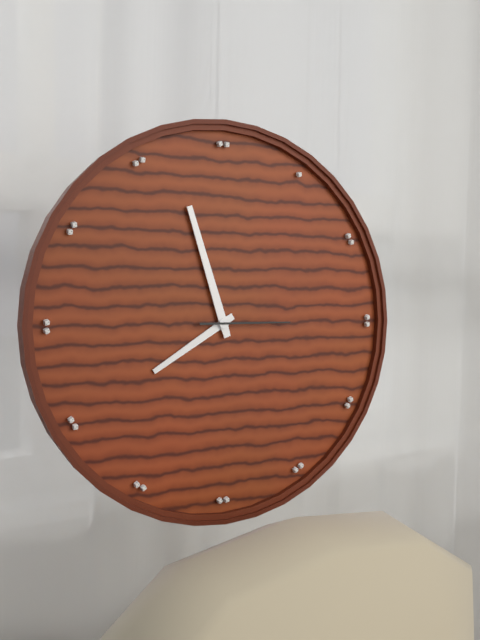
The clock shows 7 h 57 min 15 s
